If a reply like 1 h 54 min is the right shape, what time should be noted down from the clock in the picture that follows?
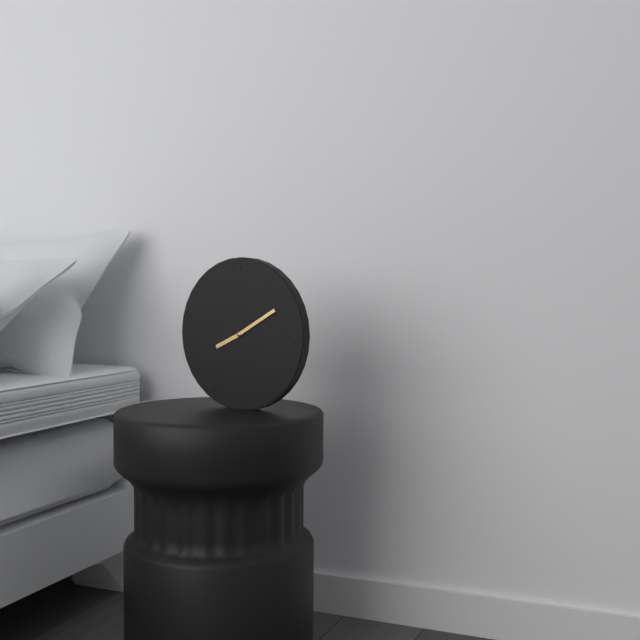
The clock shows 8 h 10 min
